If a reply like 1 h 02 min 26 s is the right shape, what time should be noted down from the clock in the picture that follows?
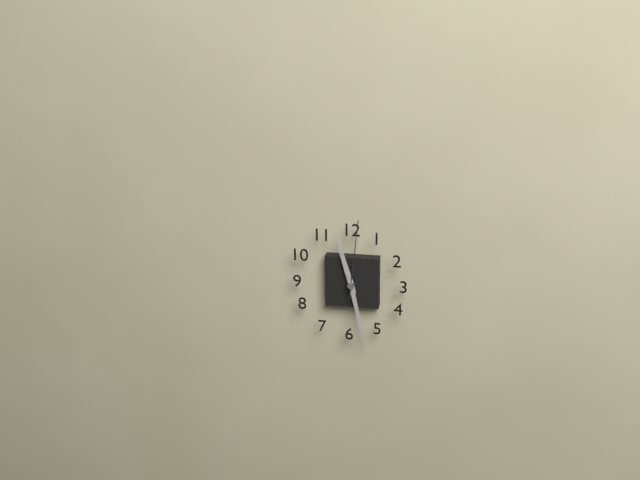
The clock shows 11 h 28 min 01 s
